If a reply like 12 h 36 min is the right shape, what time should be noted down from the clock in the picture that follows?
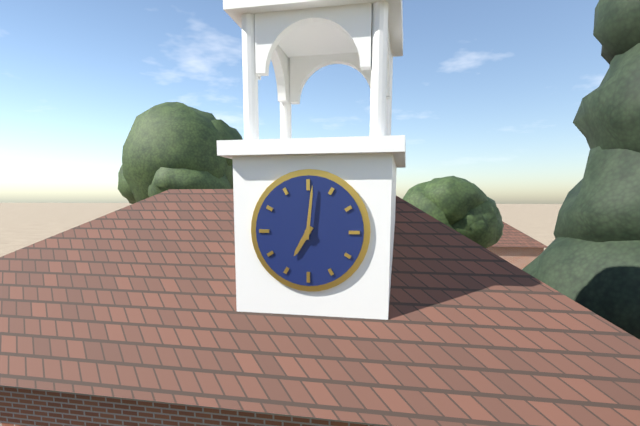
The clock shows 7 h 01 min
